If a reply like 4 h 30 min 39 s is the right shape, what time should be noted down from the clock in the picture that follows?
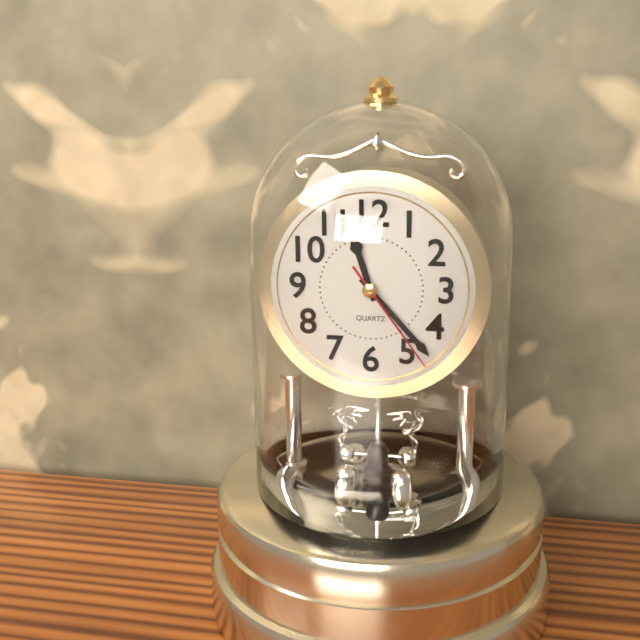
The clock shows 11 h 23 min 24 s
